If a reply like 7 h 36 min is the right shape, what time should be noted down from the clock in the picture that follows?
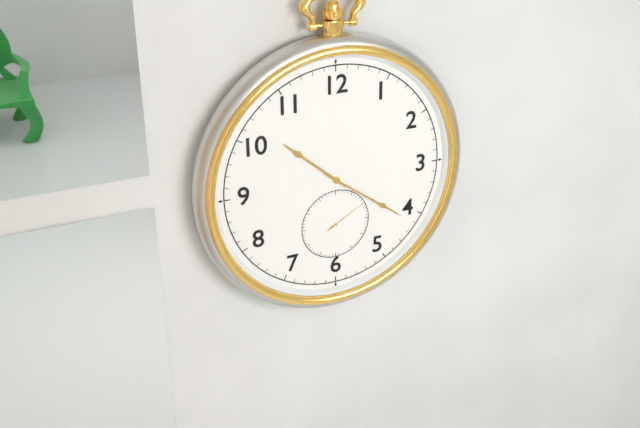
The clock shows 10 h 21 min
